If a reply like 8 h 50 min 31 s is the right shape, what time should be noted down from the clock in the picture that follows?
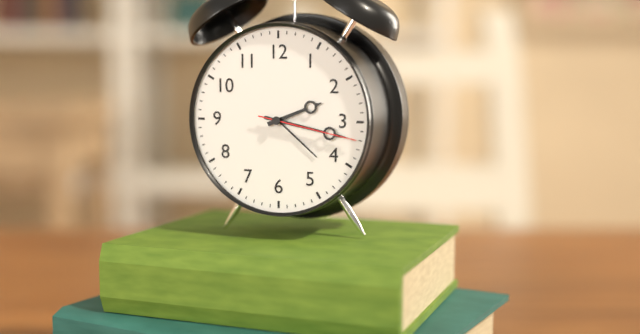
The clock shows 2 h 17 min 17 s
